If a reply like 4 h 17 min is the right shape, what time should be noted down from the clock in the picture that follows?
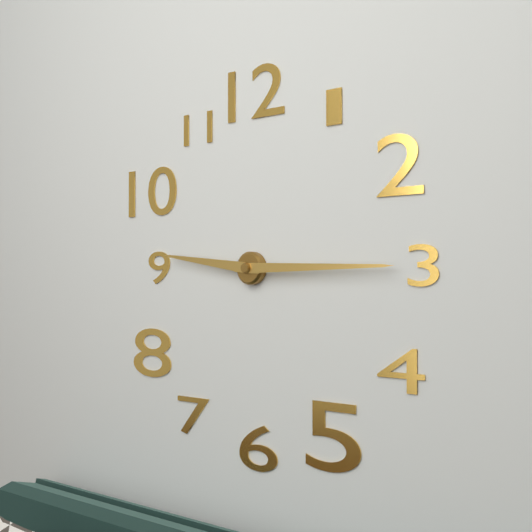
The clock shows 9 h 15 min
